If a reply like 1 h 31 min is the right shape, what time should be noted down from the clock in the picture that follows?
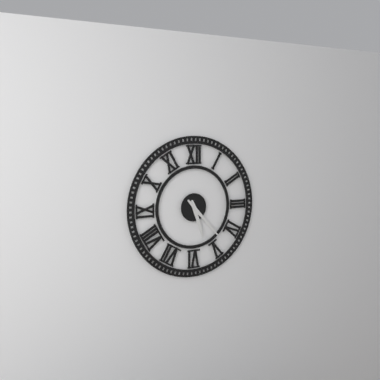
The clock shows 5 h 23 min
